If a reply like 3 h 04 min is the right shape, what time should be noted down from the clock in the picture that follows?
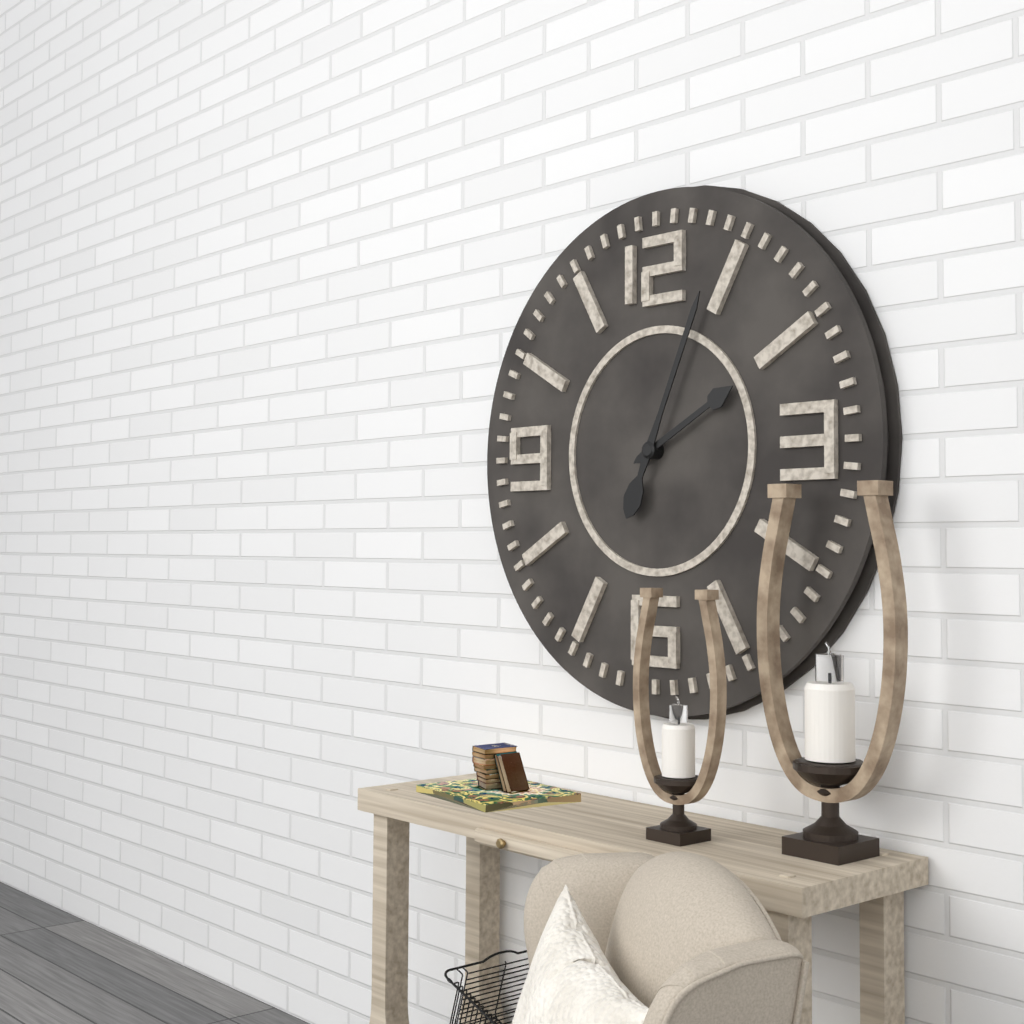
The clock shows 2 h 04 min
